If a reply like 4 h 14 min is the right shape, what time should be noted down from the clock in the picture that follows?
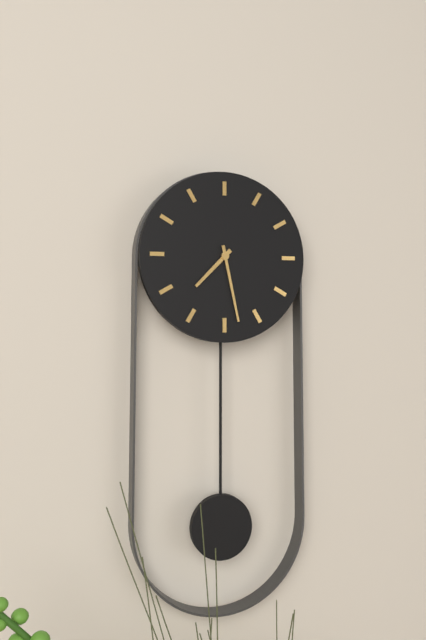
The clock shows 7 h 28 min
